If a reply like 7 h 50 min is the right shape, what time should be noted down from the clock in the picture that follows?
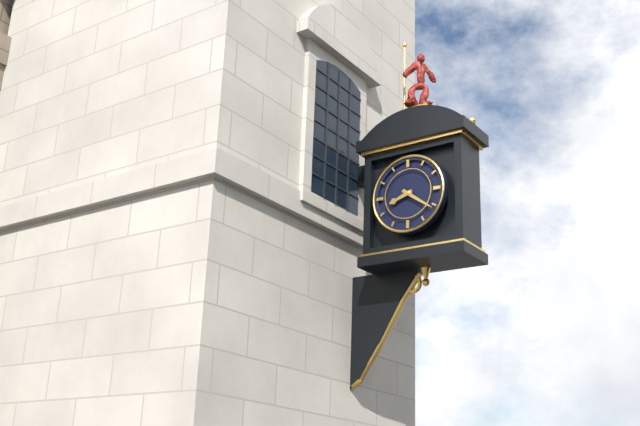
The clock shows 8 h 21 min
